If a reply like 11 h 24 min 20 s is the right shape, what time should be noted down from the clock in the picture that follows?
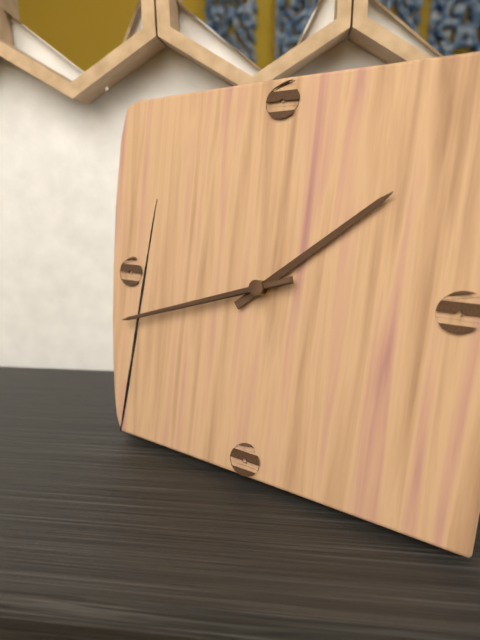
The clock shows 1 h 42 min 42 s
